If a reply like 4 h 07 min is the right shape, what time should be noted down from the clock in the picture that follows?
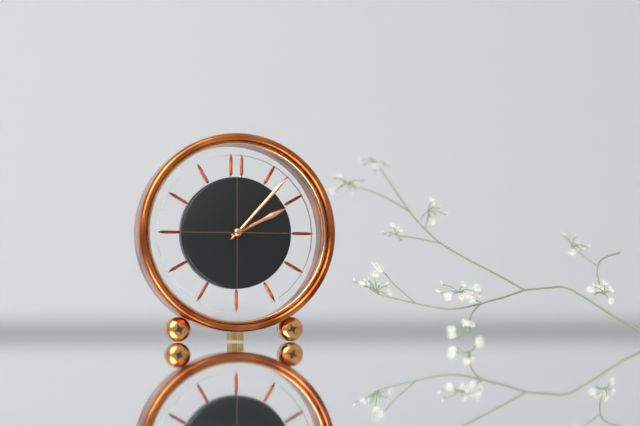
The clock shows 2 h 07 min
